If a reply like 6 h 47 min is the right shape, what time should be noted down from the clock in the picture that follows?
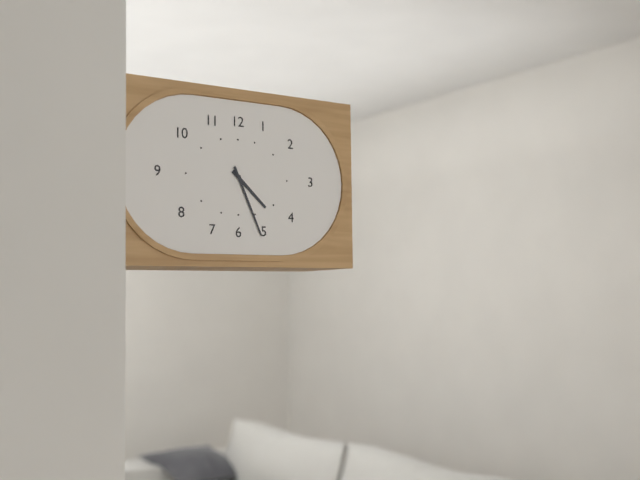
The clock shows 4 h 26 min
